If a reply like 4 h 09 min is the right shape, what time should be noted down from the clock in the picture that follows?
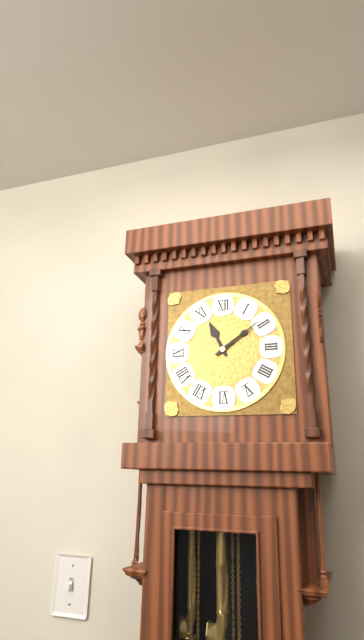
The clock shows 11 h 09 min
